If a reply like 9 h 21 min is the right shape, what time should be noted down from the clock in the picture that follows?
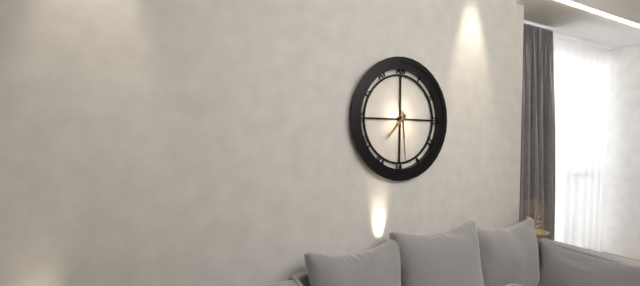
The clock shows 7 h 29 min
